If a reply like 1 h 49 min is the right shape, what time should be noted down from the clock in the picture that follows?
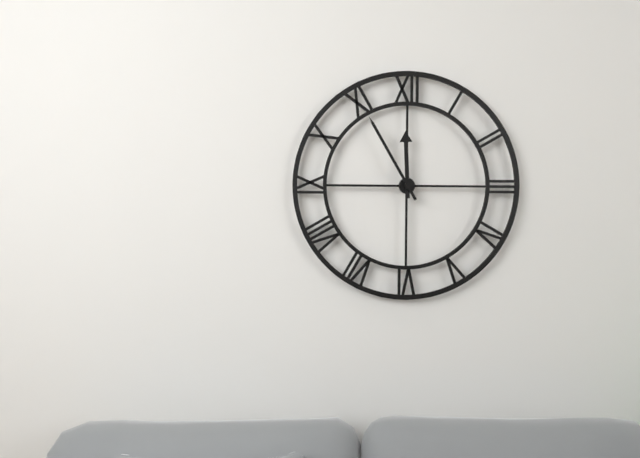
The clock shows 11 h 55 min
